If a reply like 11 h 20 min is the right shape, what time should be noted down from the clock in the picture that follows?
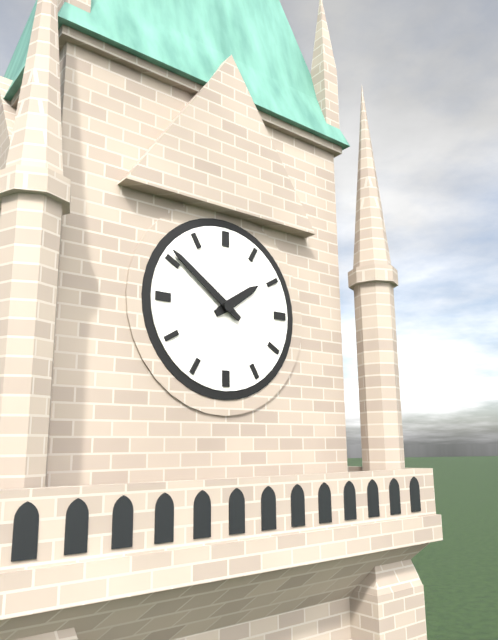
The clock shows 1 h 51 min
